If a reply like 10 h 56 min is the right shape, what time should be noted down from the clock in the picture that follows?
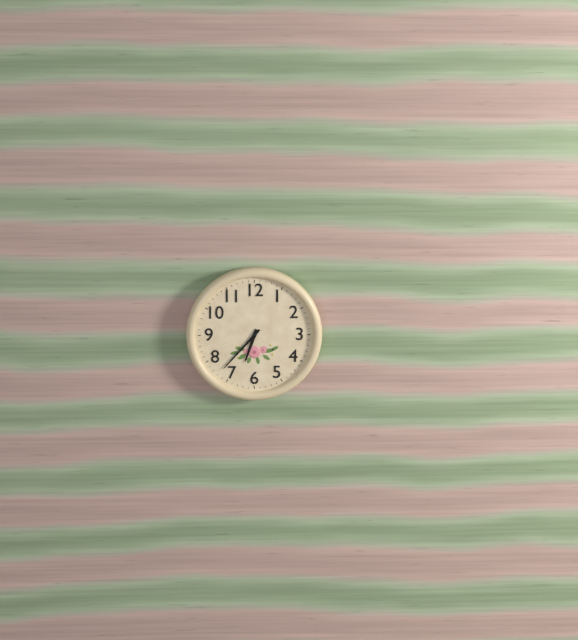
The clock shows 6 h 37 min
